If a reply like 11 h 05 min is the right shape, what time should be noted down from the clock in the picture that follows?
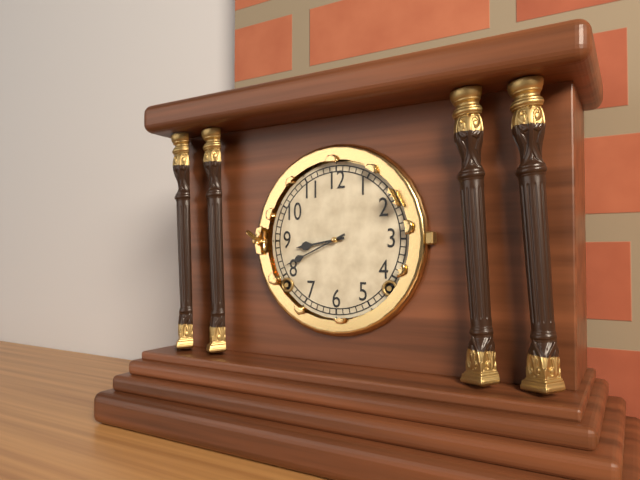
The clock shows 8 h 41 min
